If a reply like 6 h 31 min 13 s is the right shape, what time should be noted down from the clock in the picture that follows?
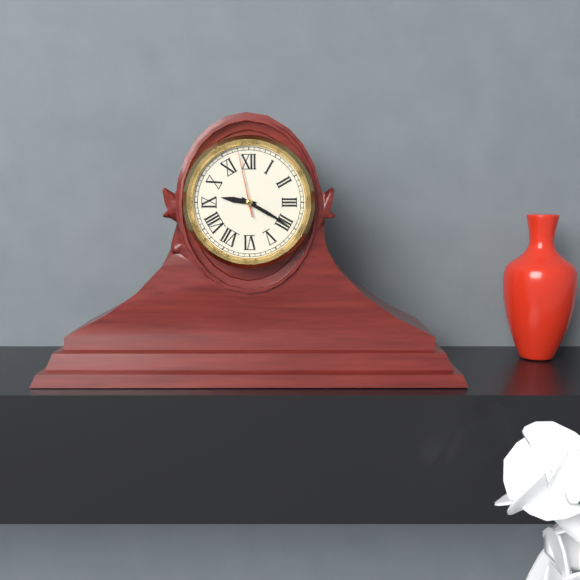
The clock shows 9 h 20 min 58 s
